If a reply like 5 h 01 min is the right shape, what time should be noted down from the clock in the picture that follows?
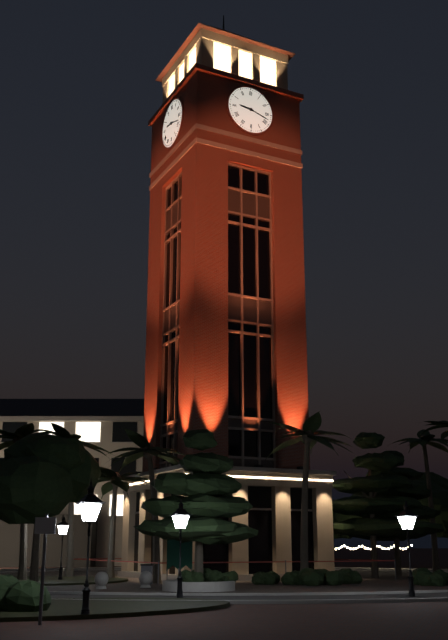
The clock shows 9 h 18 min
